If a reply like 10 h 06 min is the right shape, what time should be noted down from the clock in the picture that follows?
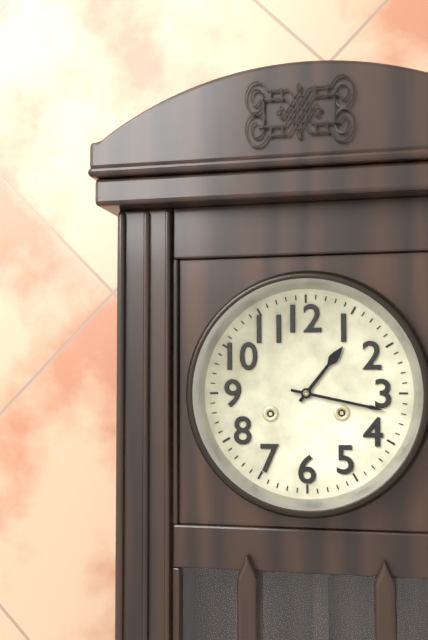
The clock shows 1 h 17 min
